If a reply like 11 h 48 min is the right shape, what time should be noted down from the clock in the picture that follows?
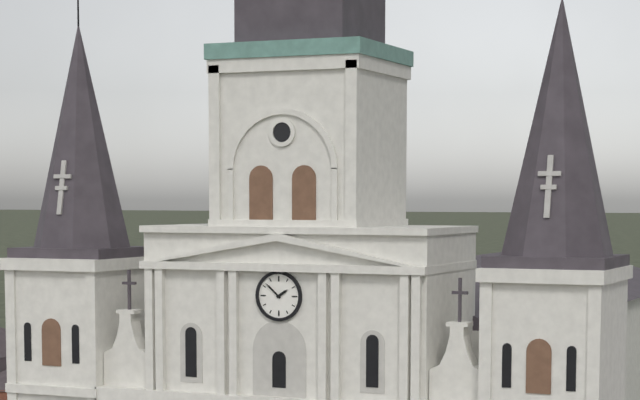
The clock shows 1 h 52 min
